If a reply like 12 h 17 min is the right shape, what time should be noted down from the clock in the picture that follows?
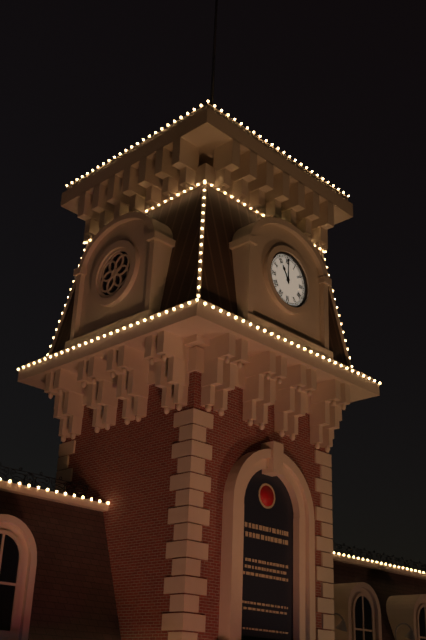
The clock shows 11 h 00 min
